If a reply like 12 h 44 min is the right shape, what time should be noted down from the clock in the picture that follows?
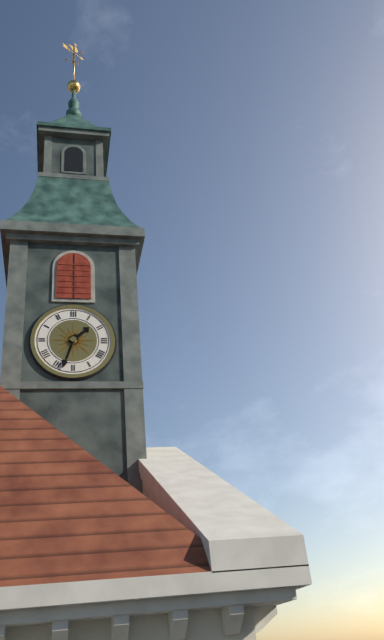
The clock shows 1 h 33 min
